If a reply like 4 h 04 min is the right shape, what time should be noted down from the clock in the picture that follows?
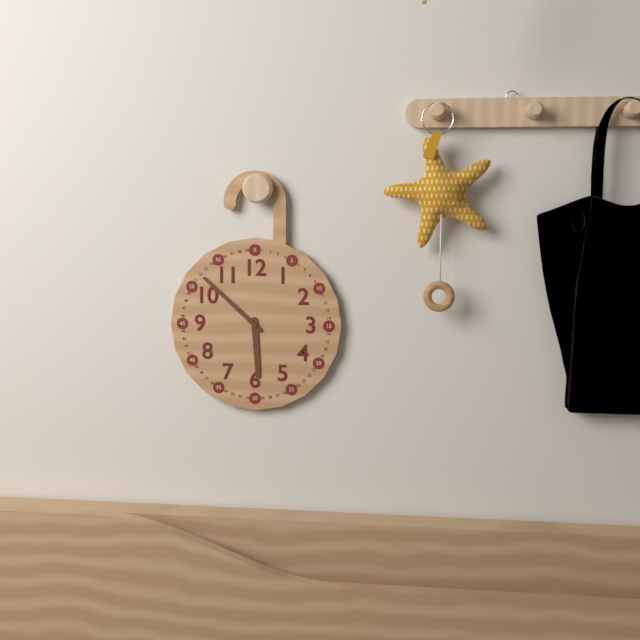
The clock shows 5 h 52 min
